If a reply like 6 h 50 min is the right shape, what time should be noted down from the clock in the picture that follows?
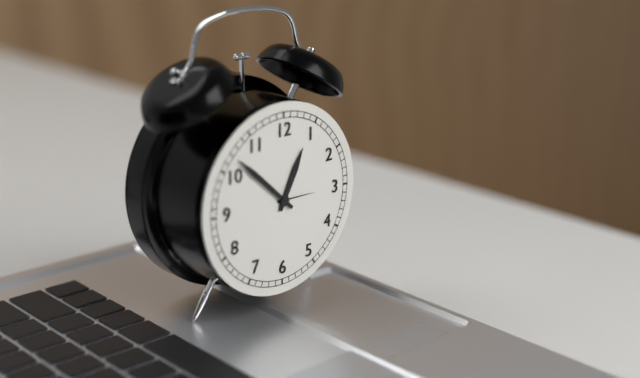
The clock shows 12 h 52 min
